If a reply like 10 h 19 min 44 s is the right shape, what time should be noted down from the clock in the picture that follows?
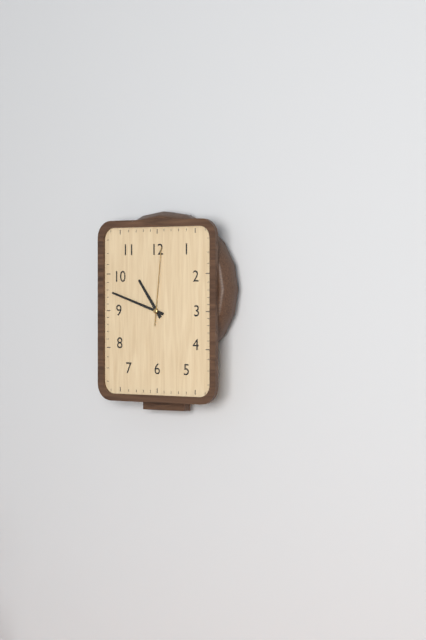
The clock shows 10 h 48 min 01 s
